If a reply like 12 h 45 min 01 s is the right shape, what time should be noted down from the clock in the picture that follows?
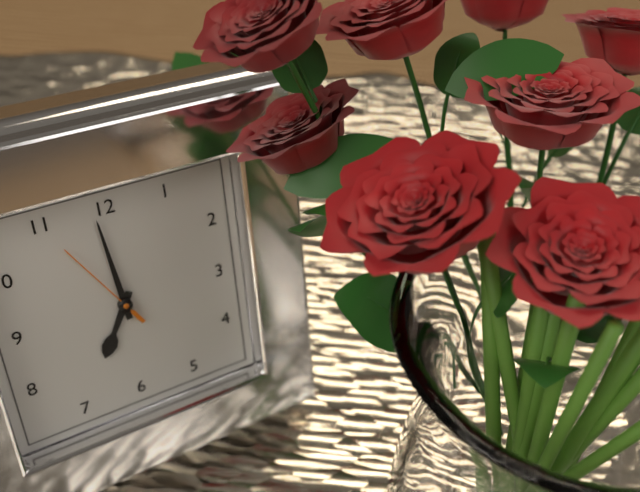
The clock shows 6 h 59 min 55 s
